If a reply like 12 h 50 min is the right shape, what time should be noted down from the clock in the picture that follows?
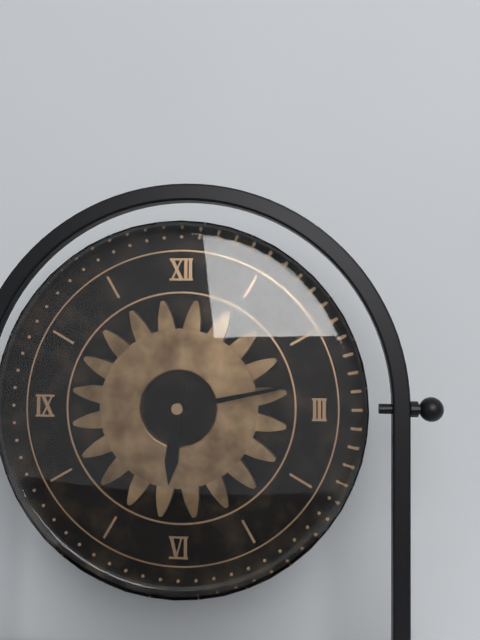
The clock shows 6 h 13 min
